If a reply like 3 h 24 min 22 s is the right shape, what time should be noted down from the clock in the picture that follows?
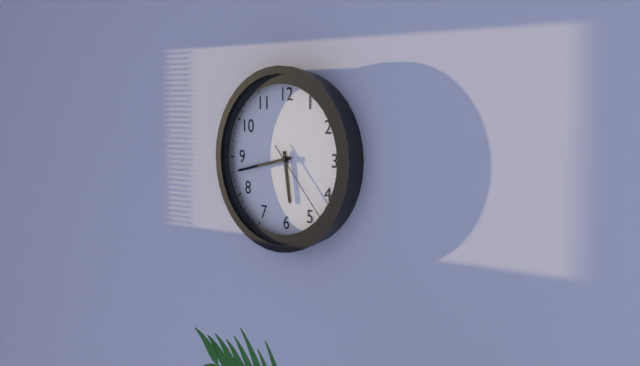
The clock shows 5 h 43 min 23 s
